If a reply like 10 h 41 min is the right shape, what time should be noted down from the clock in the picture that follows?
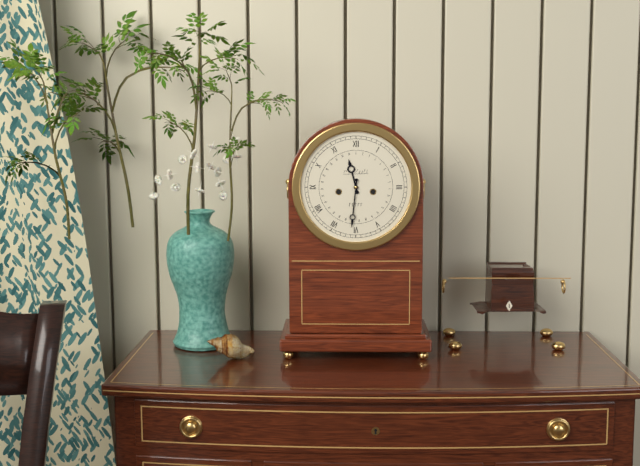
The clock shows 11 h 31 min
